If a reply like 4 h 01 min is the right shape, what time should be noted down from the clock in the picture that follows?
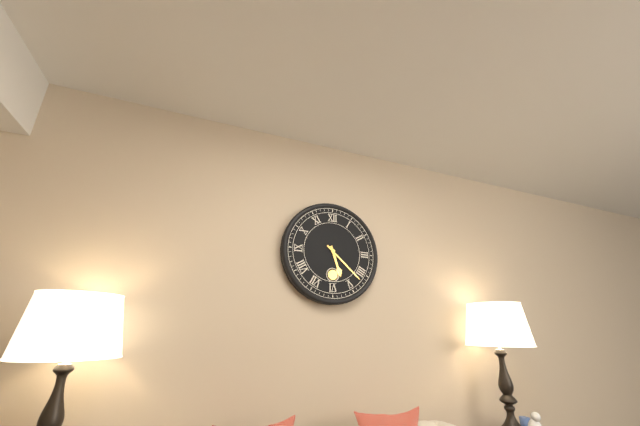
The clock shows 5 h 22 min
